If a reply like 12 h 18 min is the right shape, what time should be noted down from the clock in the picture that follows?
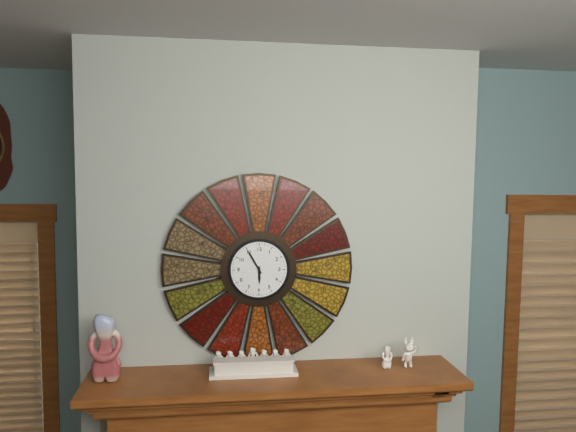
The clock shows 5 h 55 min
